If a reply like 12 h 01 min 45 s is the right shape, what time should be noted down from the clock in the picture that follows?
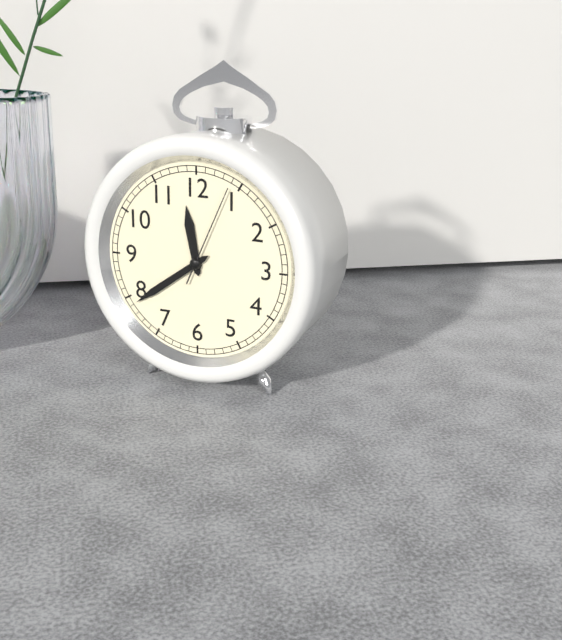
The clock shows 11 h 39 min 04 s
